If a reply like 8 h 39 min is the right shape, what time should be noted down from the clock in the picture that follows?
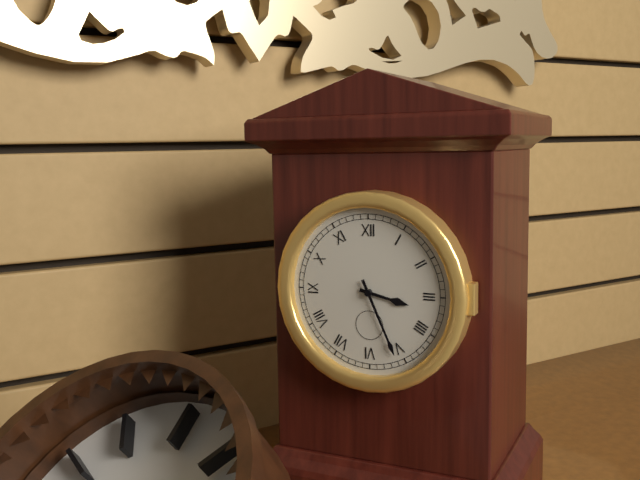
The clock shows 3 h 26 min
